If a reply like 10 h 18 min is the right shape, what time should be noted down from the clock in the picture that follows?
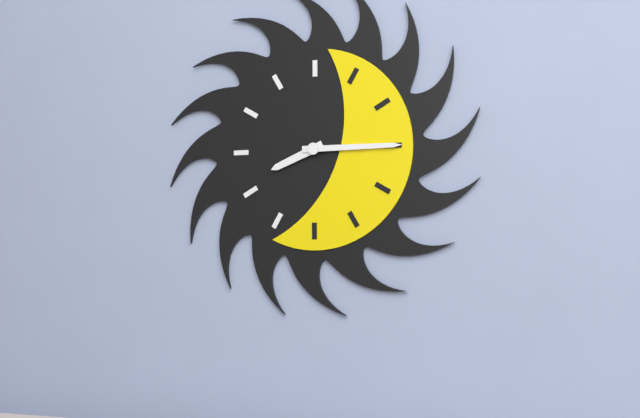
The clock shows 8 h 15 min
